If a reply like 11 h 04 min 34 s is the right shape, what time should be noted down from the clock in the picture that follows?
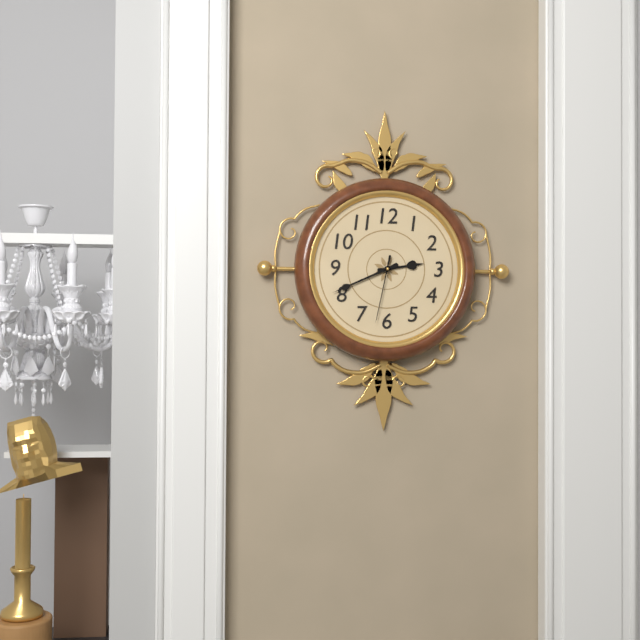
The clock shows 2 h 41 min 32 s
